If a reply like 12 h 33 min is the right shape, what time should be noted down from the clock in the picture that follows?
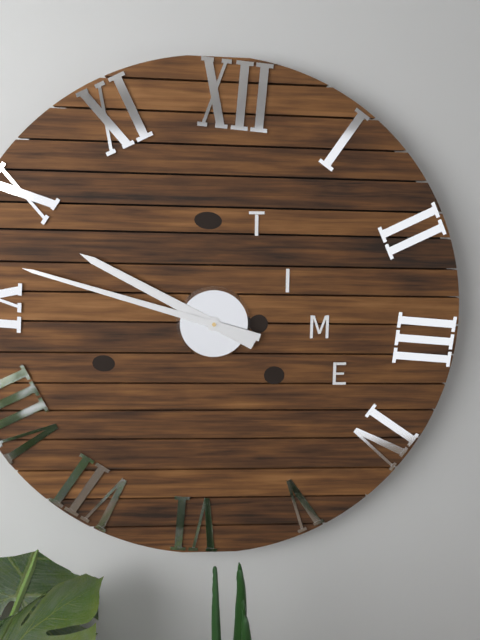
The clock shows 9 h 47 min
